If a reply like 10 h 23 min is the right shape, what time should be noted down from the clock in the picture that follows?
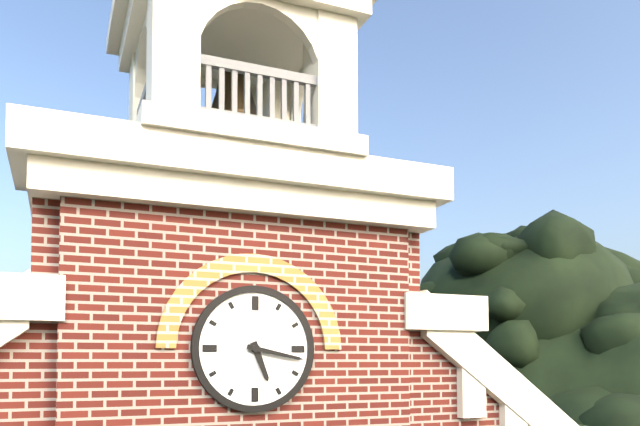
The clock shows 5 h 17 min
